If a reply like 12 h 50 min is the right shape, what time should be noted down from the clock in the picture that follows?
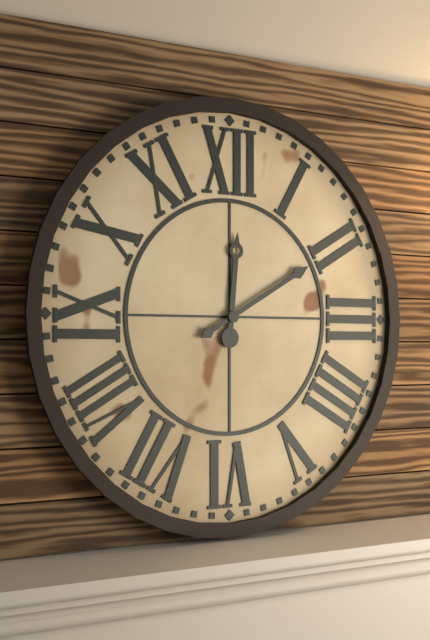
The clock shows 12 h 10 min
